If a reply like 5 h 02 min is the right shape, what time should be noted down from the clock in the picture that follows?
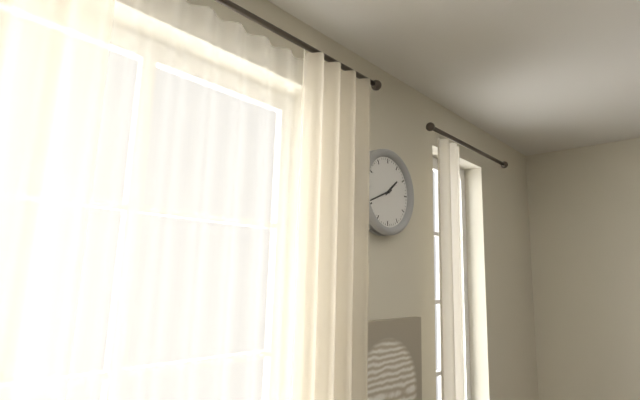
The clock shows 1 h 41 min
